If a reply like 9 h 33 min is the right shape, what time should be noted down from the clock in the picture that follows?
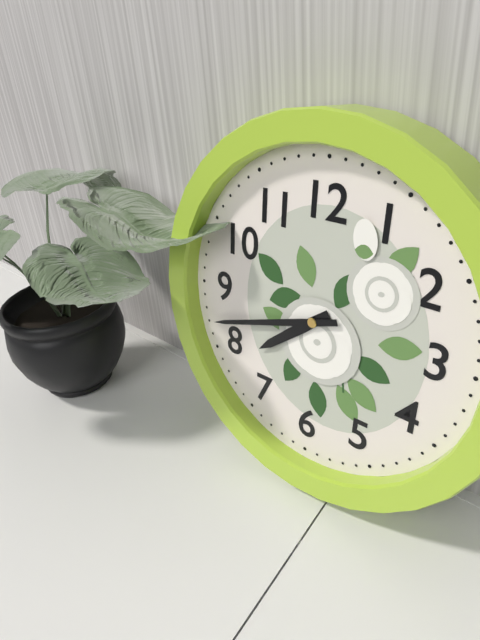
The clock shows 7 h 42 min
